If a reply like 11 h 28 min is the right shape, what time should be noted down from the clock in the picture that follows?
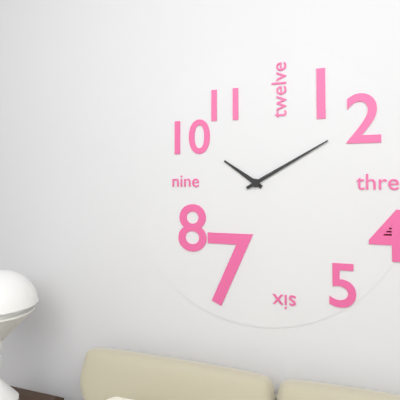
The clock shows 10 h 10 min
